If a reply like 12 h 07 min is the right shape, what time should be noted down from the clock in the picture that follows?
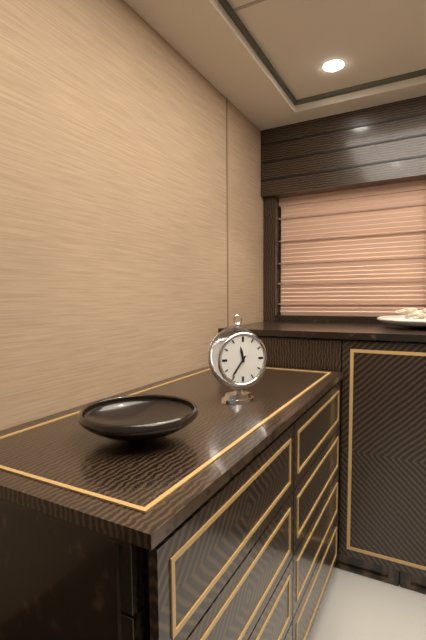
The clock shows 11 h 36 min
